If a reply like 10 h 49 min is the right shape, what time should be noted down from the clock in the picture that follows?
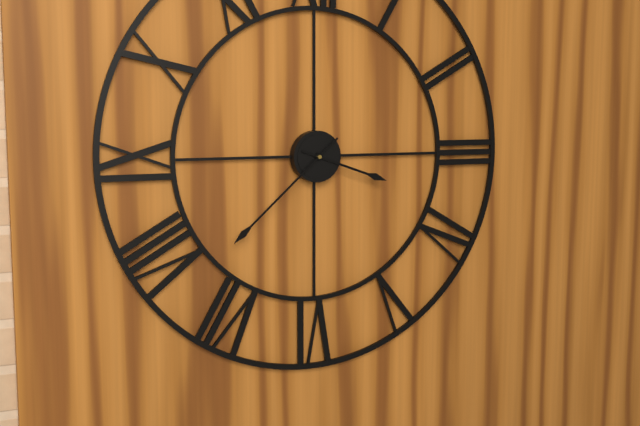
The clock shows 3 h 38 min
